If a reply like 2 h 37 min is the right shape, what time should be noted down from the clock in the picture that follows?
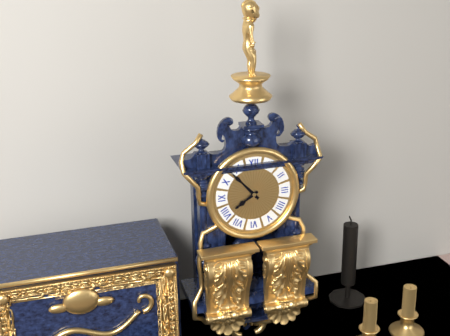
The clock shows 7 h 53 min
